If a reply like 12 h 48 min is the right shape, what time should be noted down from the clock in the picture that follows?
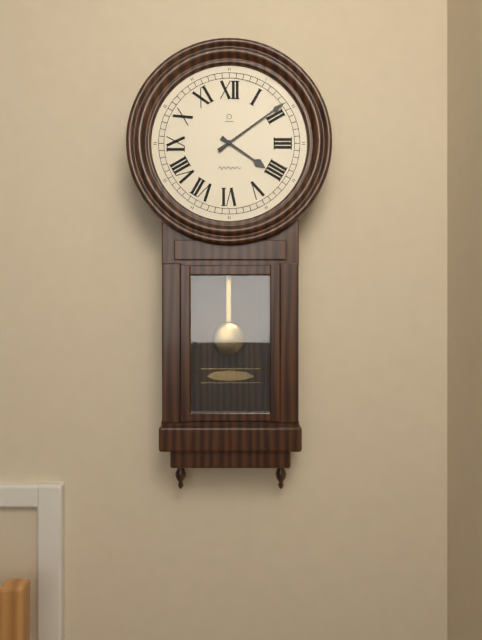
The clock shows 4 h 09 min
